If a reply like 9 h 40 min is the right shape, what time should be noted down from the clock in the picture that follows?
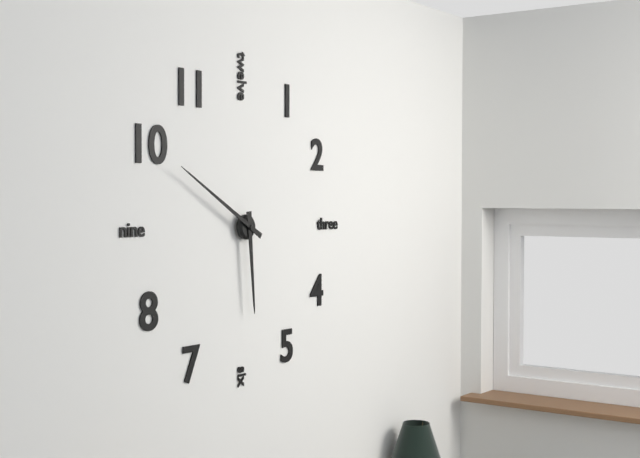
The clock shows 5 h 50 min
